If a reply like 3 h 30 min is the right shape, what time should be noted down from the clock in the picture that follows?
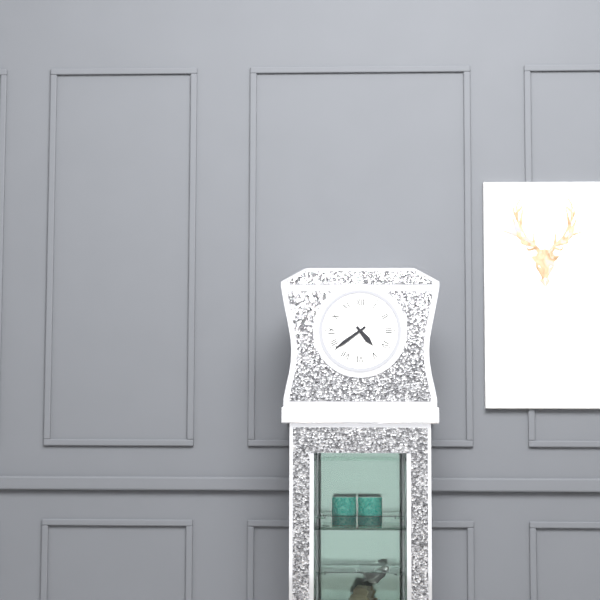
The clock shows 4 h 39 min
